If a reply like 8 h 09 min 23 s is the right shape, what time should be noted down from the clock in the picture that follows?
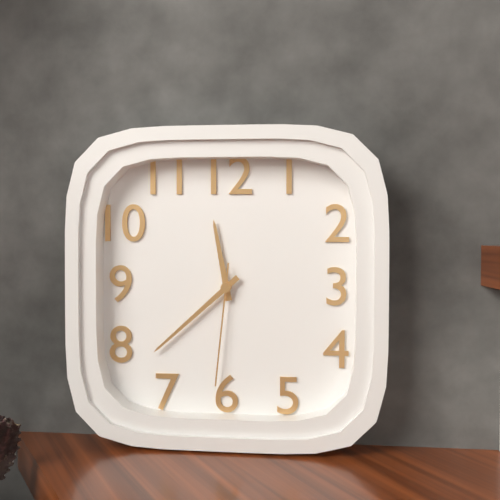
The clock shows 11 h 38 min 31 s
